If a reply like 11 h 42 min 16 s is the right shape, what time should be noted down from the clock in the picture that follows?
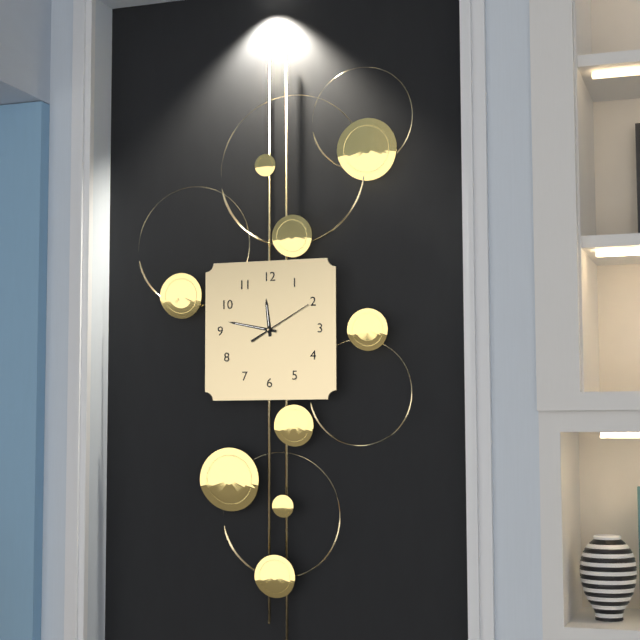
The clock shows 11 h 47 min 10 s
